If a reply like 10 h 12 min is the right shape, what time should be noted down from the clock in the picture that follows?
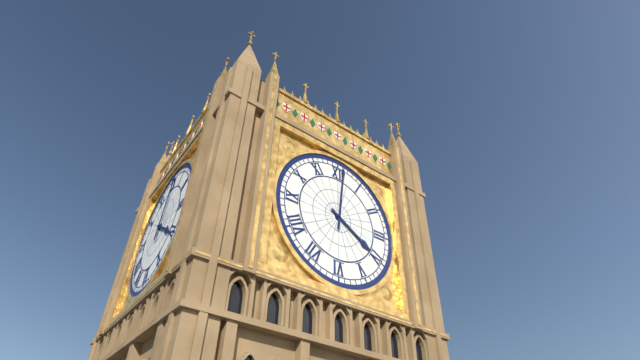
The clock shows 4 h 01 min
